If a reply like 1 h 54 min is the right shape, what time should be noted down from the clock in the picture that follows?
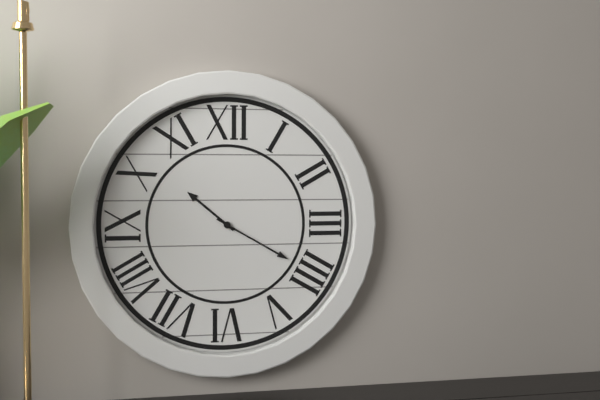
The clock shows 10 h 20 min
